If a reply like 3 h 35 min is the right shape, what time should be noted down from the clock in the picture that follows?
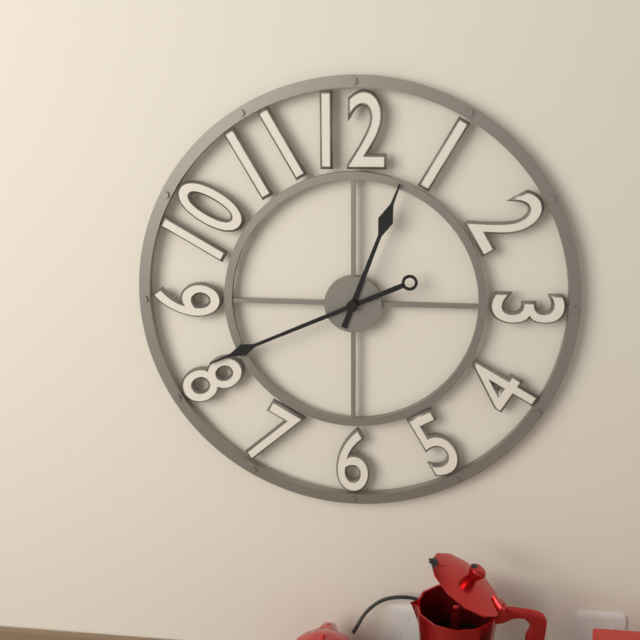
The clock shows 12 h 41 min
